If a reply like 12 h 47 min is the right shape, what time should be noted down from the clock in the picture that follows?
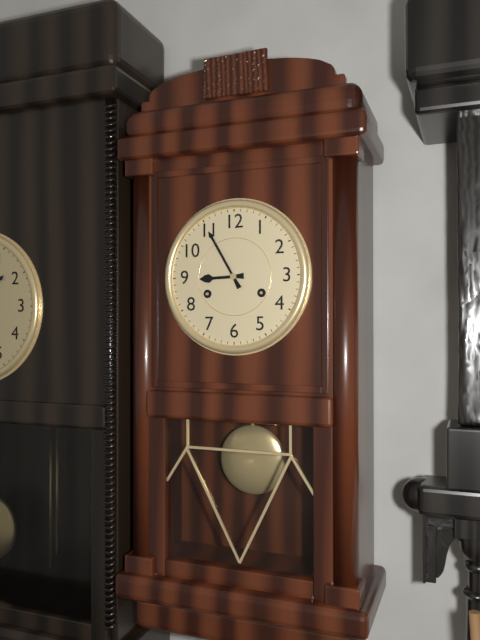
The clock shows 8 h 55 min
